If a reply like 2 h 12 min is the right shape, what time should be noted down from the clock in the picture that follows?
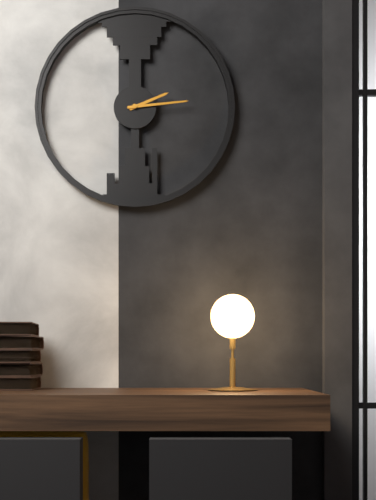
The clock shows 2 h 14 min
